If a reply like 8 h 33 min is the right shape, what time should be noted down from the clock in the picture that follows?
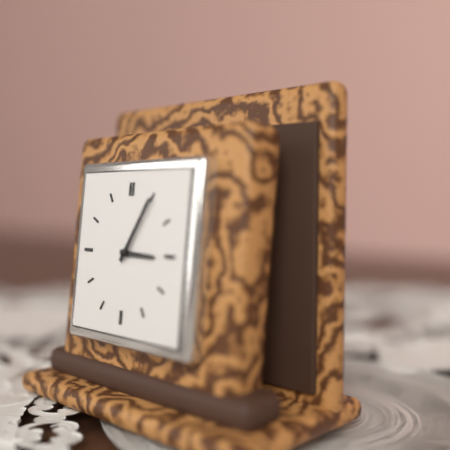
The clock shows 3 h 05 min
